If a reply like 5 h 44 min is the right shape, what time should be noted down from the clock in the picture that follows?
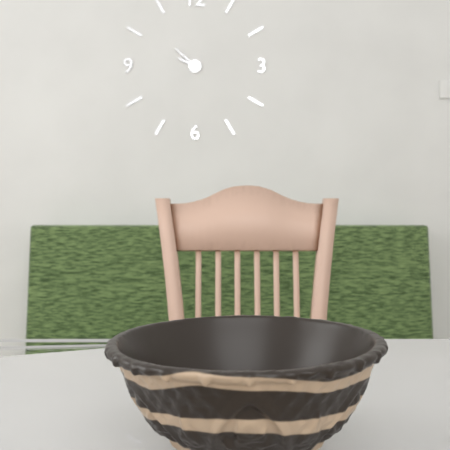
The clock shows 9 h 52 min
